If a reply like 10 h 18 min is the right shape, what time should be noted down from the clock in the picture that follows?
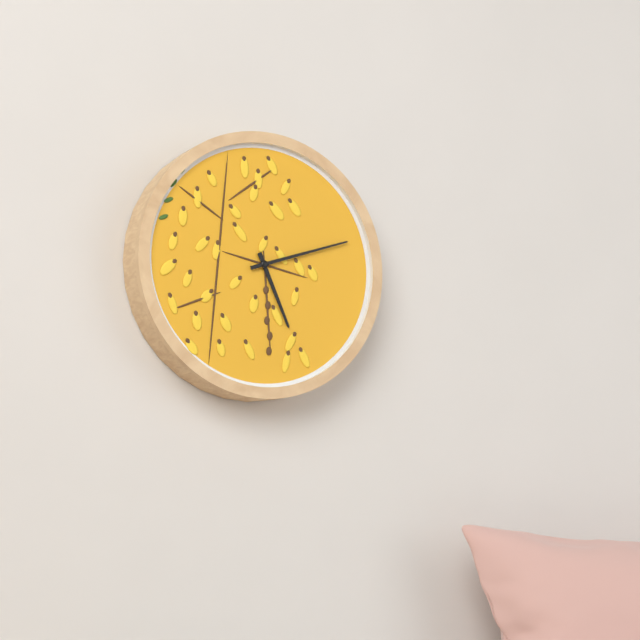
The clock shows 5 h 12 min
